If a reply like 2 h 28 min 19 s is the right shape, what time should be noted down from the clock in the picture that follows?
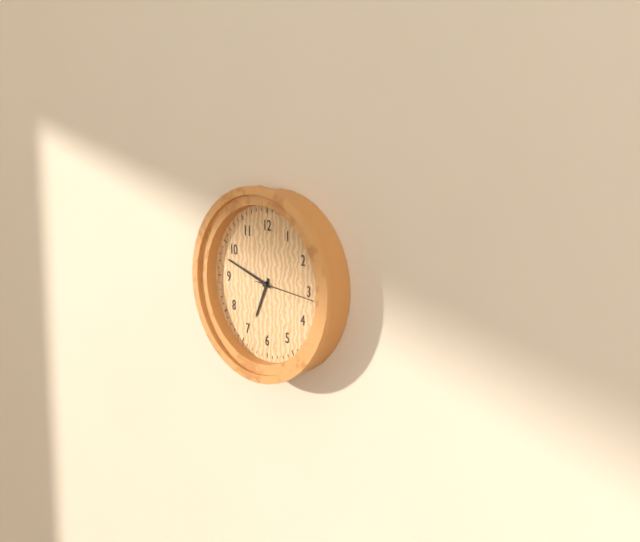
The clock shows 6 h 48 min 16 s
